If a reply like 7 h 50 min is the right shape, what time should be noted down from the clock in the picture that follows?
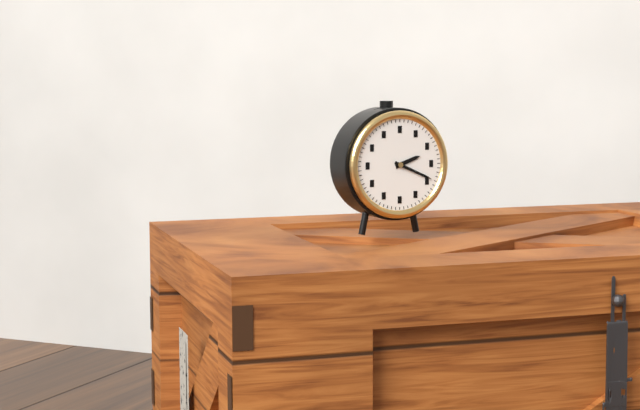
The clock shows 2 h 19 min
